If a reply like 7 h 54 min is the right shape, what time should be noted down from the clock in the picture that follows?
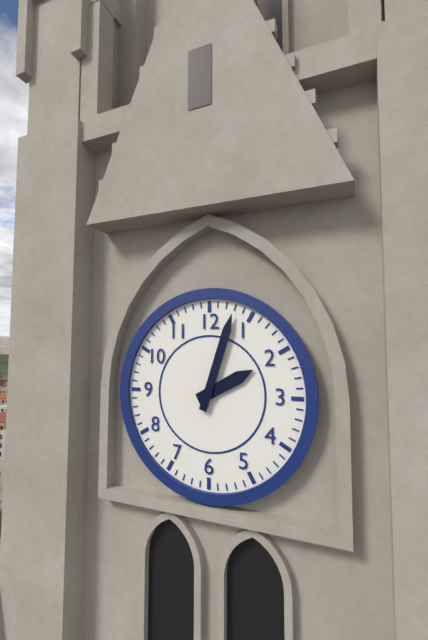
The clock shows 2 h 03 min
